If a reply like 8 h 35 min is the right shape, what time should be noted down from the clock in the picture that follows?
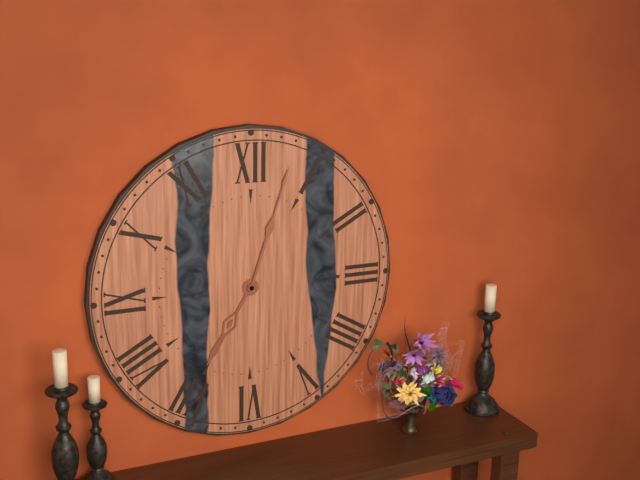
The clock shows 7 h 03 min
